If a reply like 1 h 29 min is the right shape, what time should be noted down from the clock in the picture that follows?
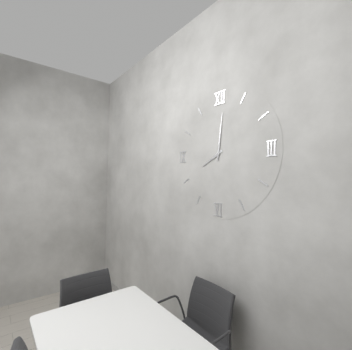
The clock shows 8 h 01 min
